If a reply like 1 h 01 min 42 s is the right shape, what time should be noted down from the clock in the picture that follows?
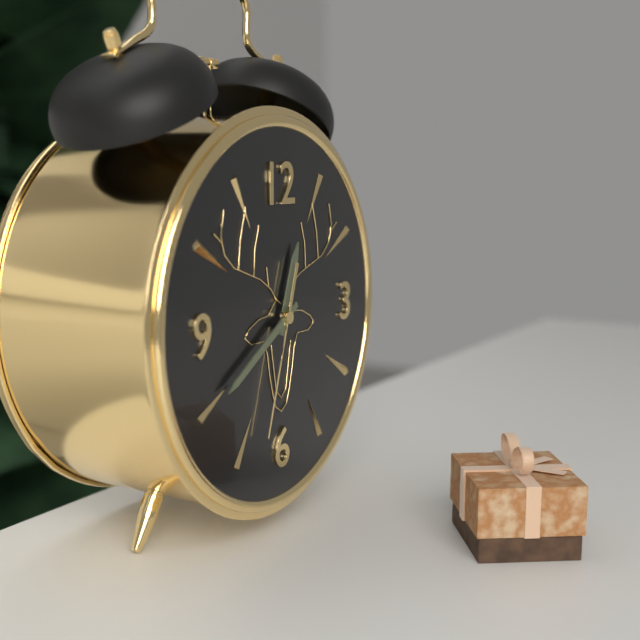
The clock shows 12 h 40 min 33 s
